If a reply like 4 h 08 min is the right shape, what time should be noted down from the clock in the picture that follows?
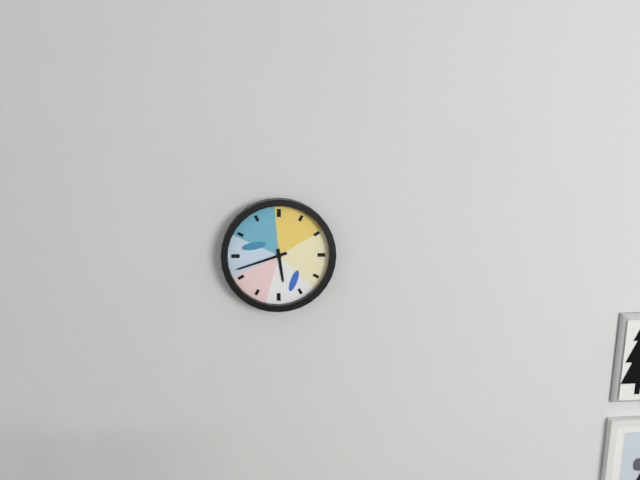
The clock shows 5 h 42 min
